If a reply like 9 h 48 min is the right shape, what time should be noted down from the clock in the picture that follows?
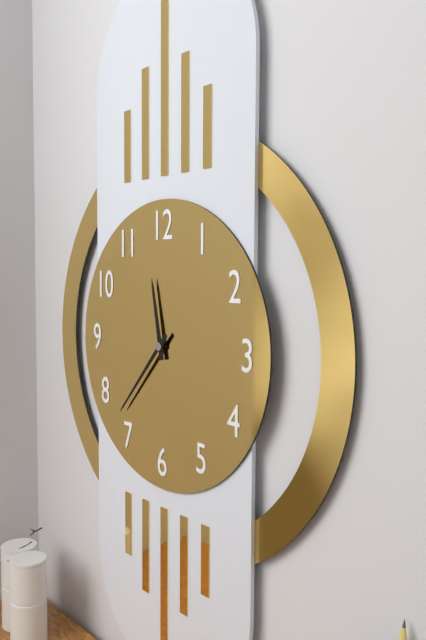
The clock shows 11 h 37 min
